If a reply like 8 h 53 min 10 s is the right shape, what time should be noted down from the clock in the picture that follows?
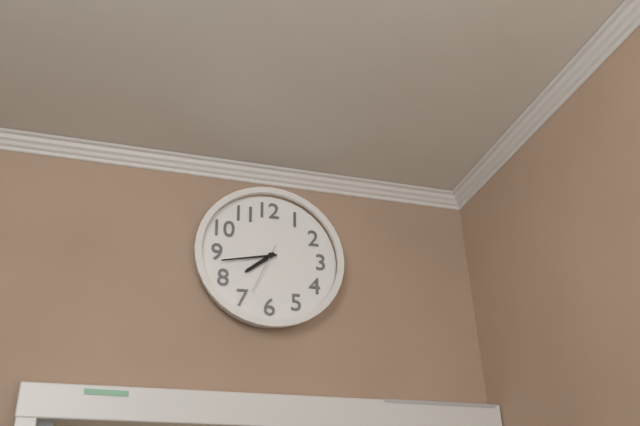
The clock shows 7 h 43 min 34 s
